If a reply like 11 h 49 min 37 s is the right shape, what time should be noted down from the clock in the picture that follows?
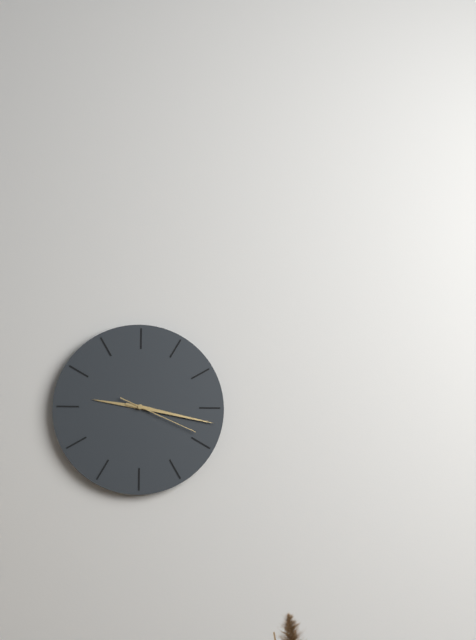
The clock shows 9 h 17 min 19 s
